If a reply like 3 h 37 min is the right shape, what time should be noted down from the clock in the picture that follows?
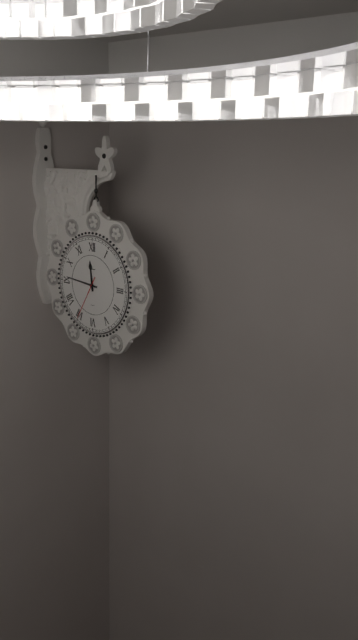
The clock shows 11 h 46 min
